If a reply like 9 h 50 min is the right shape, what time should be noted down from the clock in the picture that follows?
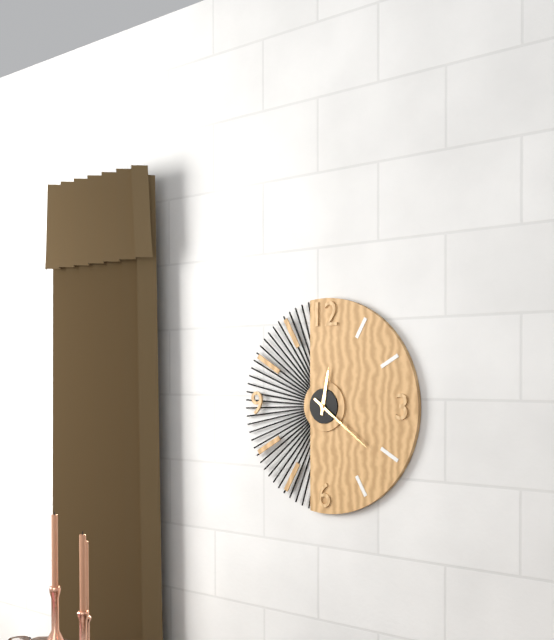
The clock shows 12 h 21 min
